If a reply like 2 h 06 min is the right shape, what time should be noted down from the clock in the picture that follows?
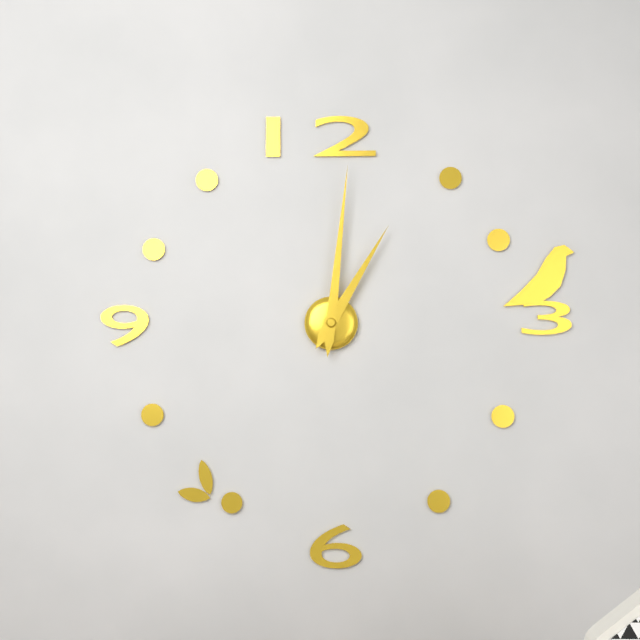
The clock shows 1 h 01 min
